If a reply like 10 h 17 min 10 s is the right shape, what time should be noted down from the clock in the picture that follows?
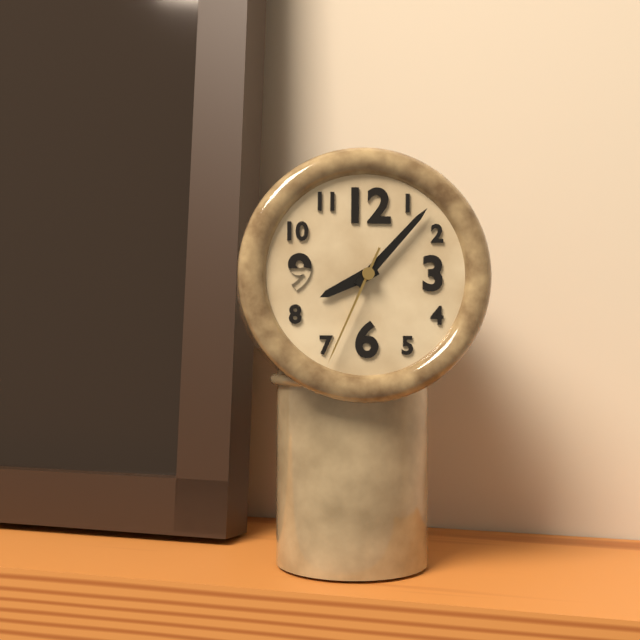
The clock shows 8 h 07 min 34 s
